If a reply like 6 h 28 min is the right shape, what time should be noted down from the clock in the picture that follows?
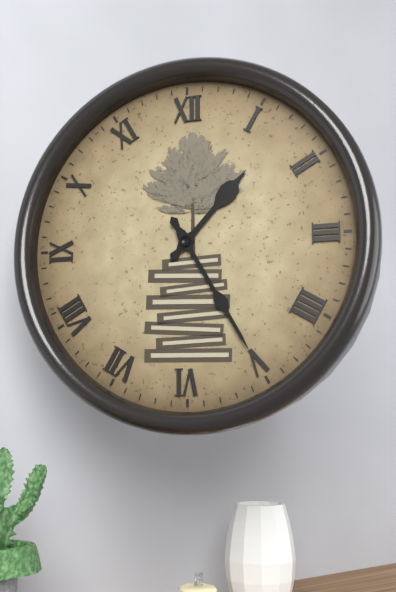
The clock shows 1 h 25 min
